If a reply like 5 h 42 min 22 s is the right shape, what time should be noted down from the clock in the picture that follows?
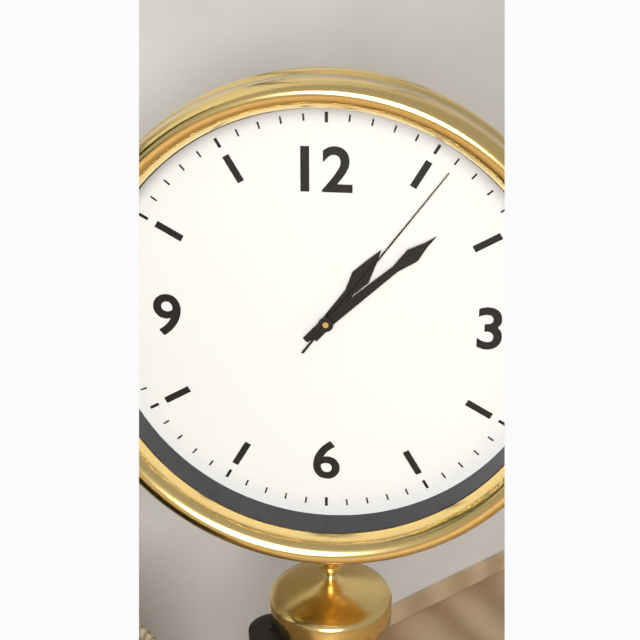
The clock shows 1 h 08 min 06 s
